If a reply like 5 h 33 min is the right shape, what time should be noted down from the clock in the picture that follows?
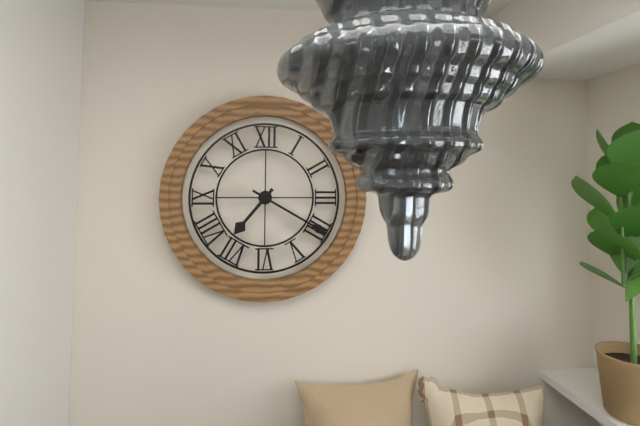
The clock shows 7 h 20 min
